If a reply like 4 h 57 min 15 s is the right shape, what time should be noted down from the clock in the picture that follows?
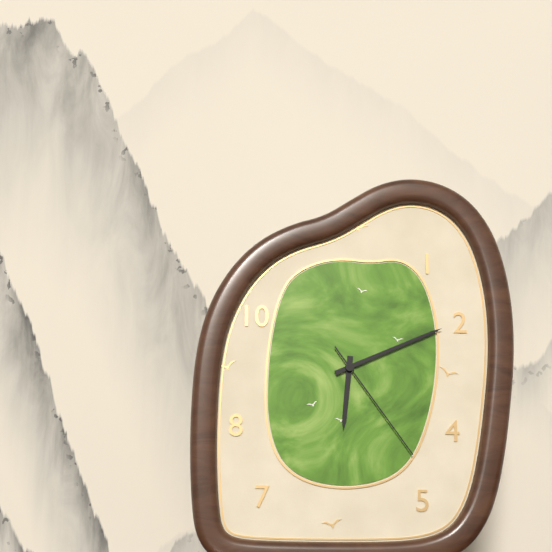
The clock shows 6 h 11 min 24 s
